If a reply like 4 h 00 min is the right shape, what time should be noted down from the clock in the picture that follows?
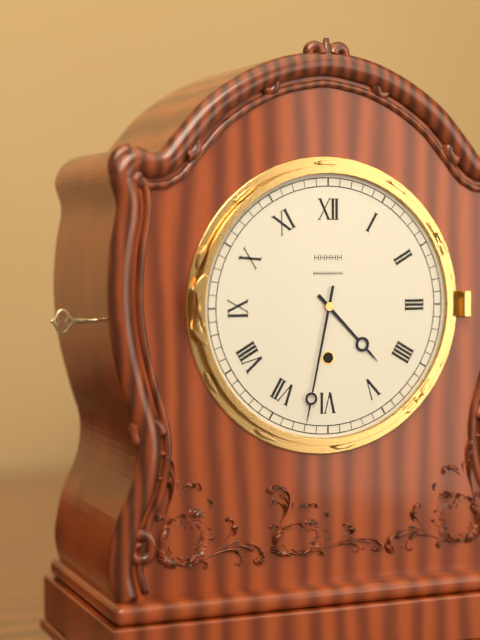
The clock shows 4 h 32 min
